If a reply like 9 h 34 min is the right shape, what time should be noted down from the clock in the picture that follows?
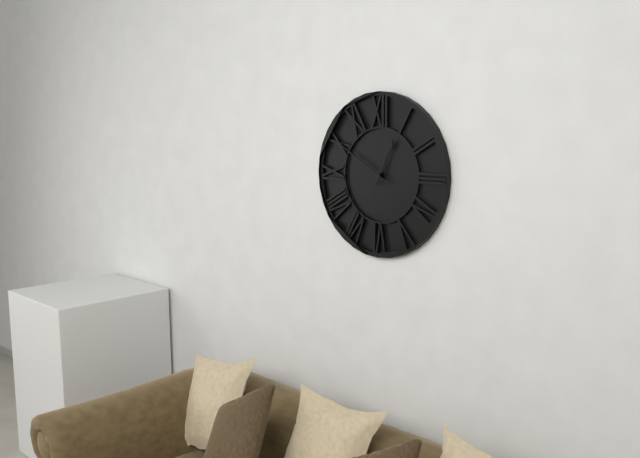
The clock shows 12 h 50 min
